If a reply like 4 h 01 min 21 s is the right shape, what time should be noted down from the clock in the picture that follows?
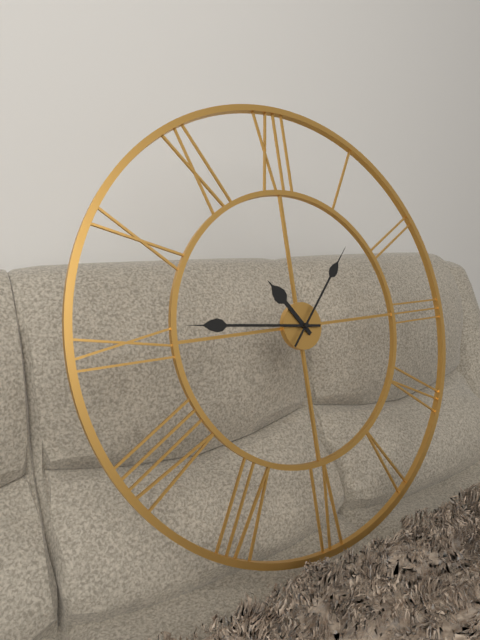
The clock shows 10 h 46 min 07 s
